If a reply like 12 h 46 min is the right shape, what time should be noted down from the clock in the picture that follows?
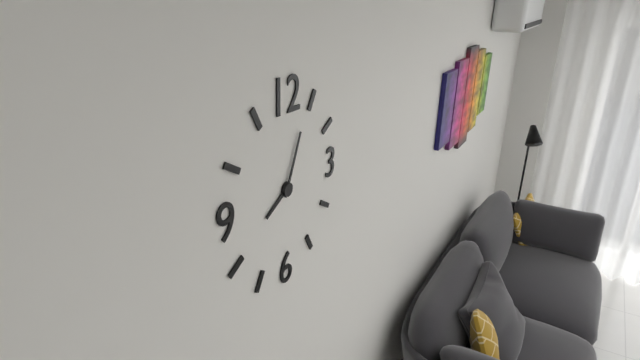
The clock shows 8 h 04 min
